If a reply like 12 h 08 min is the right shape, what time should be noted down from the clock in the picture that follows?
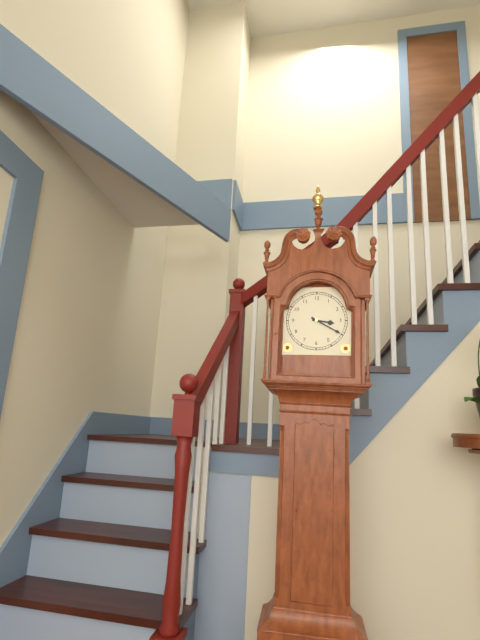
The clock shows 3 h 20 min
